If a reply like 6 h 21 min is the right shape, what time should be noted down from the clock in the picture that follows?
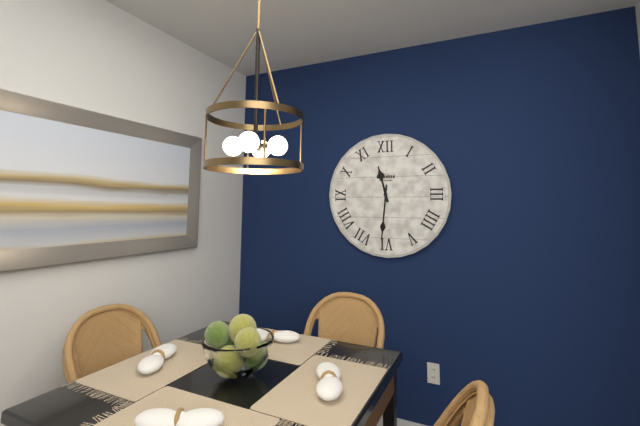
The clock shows 11 h 31 min
